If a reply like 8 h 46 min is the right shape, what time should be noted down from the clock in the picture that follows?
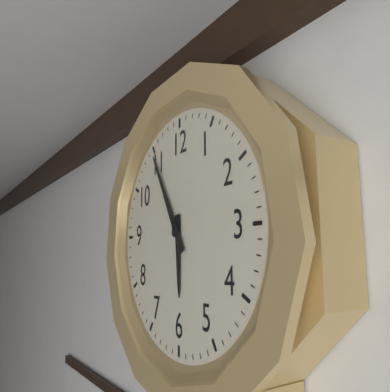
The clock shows 5 h 55 min
